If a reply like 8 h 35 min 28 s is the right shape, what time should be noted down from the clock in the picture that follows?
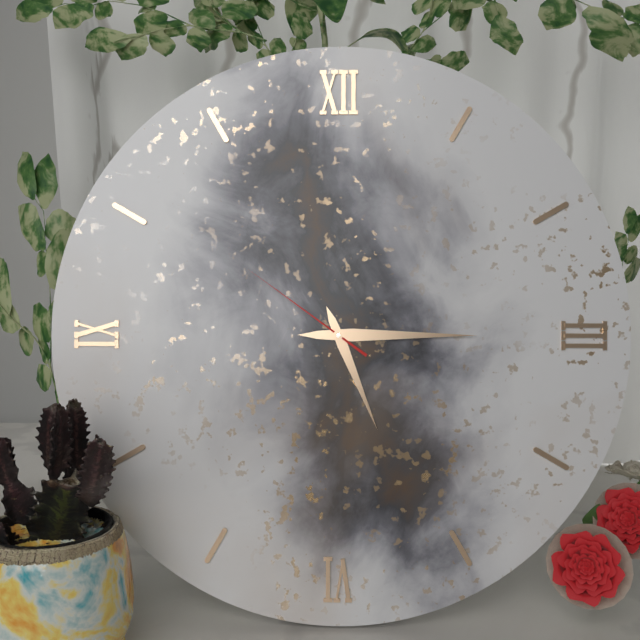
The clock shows 5 h 15 min 51 s
